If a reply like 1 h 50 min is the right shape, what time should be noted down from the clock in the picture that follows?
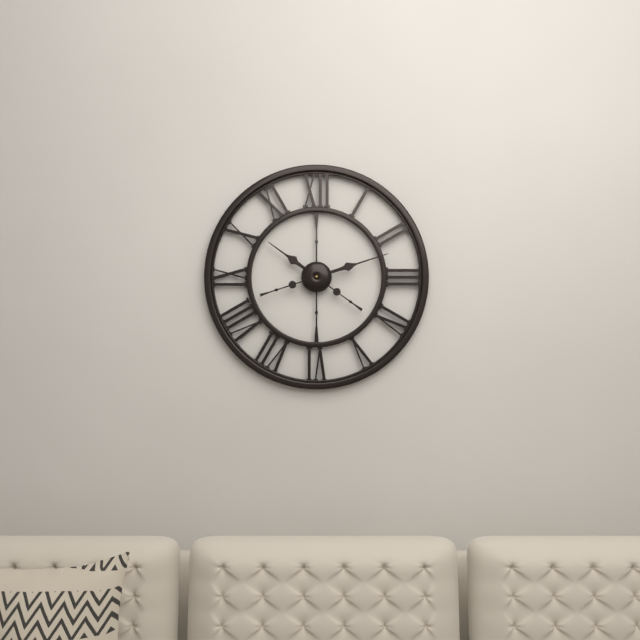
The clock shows 10 h 12 min
